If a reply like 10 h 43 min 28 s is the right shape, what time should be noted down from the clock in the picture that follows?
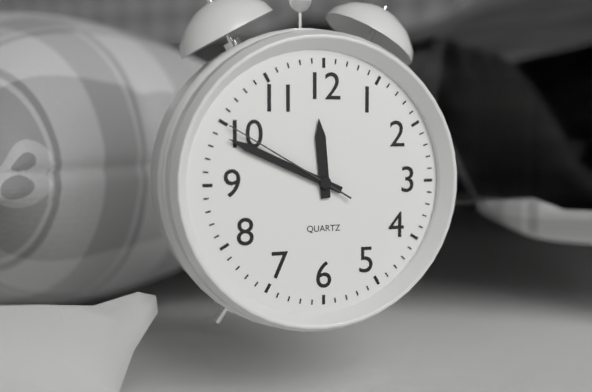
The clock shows 11 h 49 min 50 s
